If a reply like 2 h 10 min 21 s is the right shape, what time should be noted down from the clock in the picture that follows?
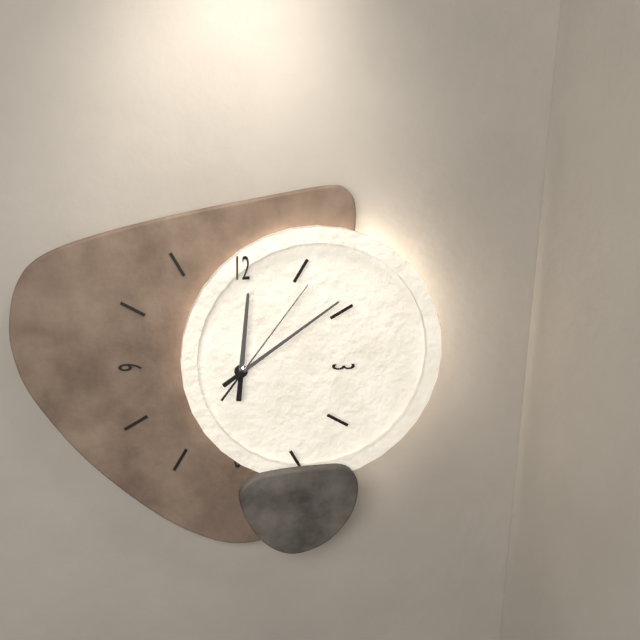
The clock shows 12 h 09 min 06 s
